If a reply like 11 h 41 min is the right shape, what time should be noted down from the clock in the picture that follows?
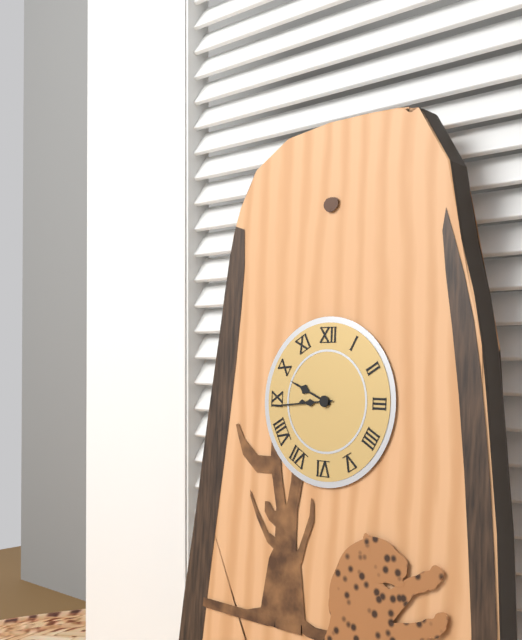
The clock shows 9 h 44 min
